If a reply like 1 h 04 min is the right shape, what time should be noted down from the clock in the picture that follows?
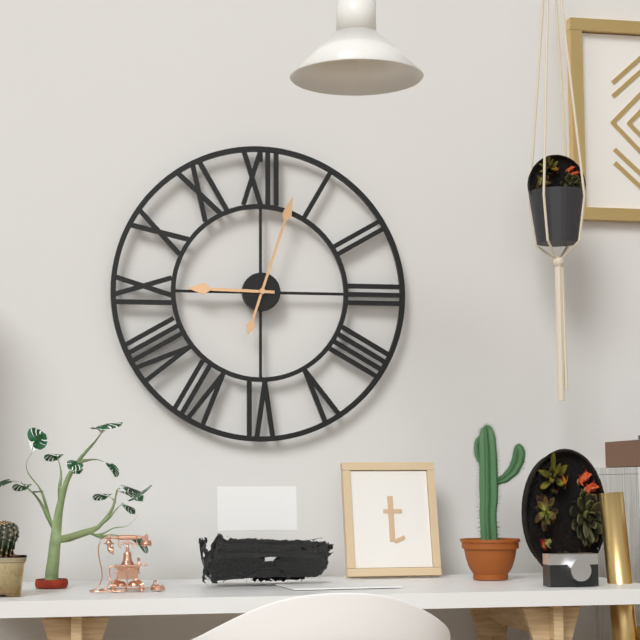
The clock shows 9 h 03 min
